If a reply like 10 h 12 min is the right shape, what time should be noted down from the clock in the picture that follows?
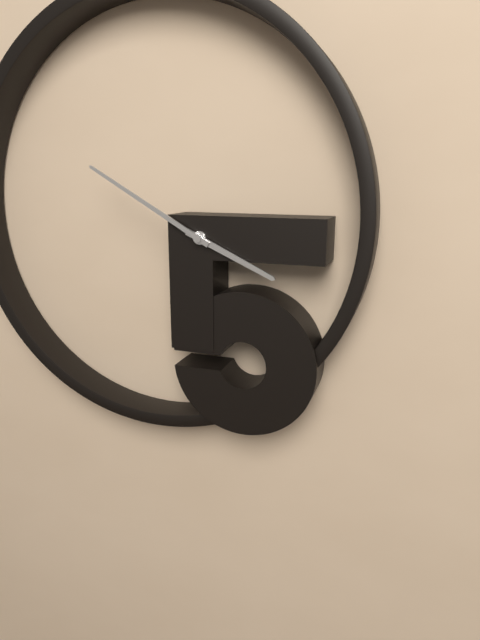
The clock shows 3 h 50 min
